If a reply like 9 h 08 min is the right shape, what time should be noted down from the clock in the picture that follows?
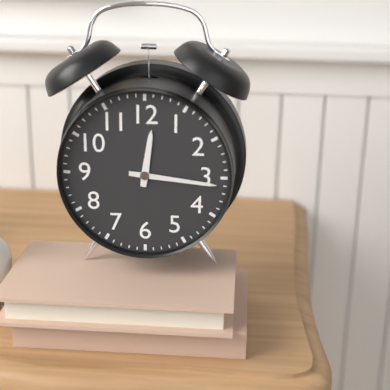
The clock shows 12 h 16 min
